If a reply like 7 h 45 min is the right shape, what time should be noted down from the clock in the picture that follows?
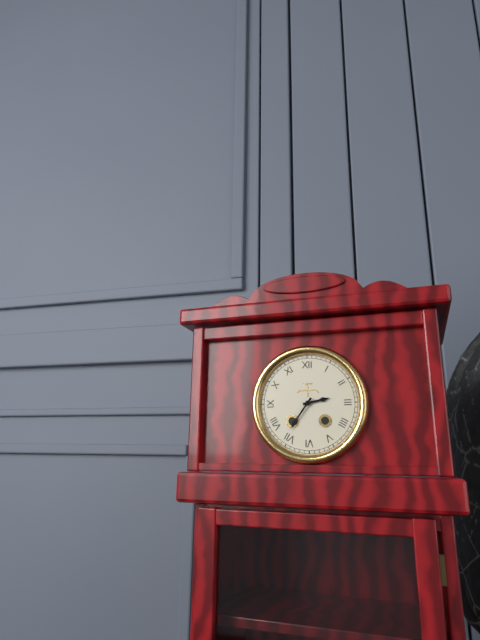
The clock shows 2 h 36 min
